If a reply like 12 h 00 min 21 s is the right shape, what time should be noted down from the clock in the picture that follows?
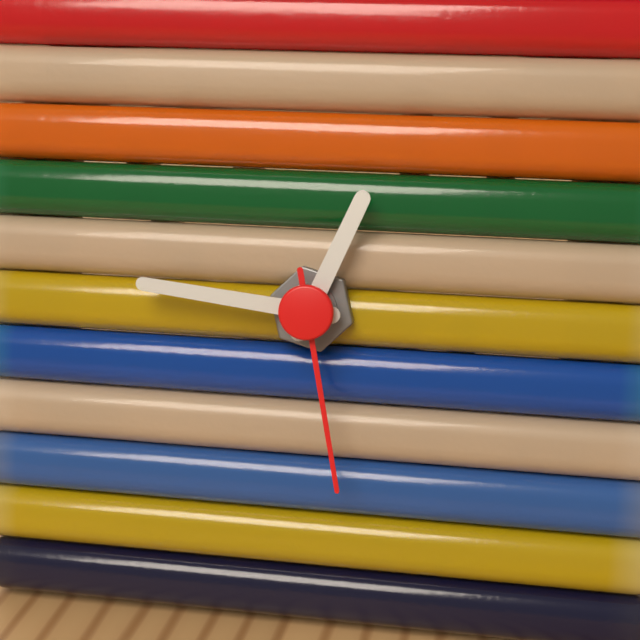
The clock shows 12 h 46 min 28 s
